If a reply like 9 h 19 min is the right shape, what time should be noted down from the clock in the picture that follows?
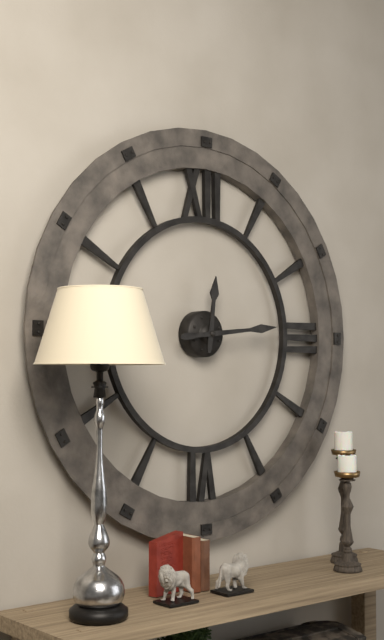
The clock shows 12 h 14 min
